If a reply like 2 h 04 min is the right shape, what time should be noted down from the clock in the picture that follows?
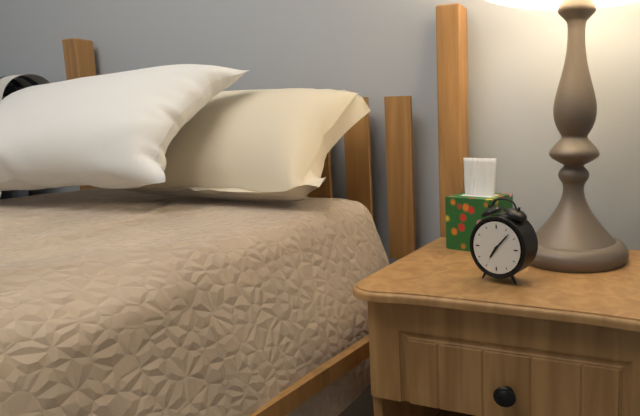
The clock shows 7 h 07 min
